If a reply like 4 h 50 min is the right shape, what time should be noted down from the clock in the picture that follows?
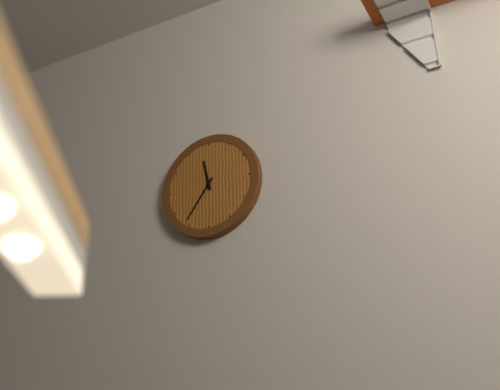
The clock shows 11 h 36 min
